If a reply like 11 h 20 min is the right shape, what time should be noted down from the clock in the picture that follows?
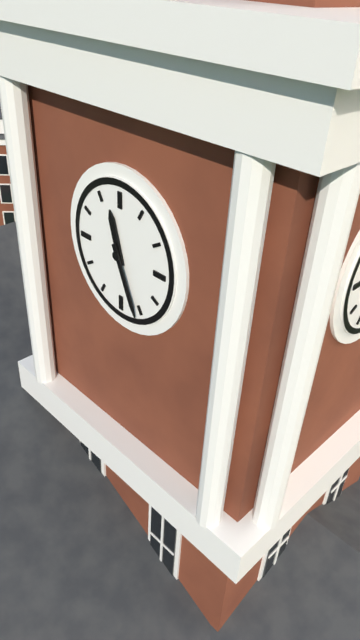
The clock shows 11 h 26 min
